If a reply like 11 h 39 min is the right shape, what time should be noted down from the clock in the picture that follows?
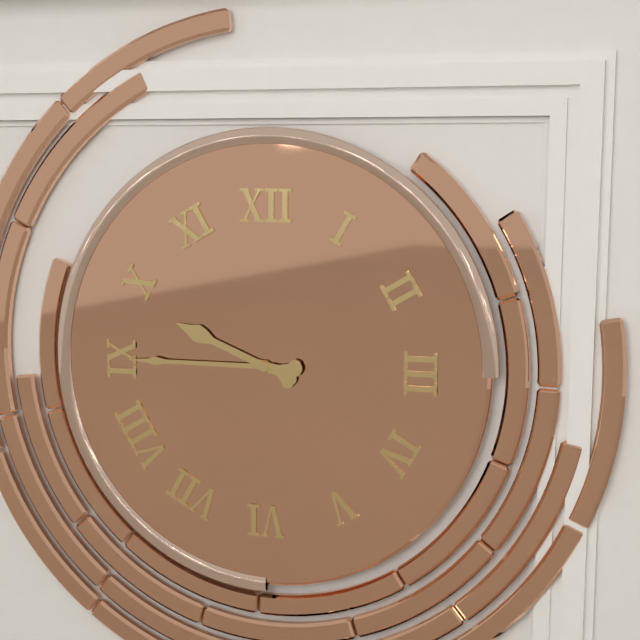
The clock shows 9 h 45 min
